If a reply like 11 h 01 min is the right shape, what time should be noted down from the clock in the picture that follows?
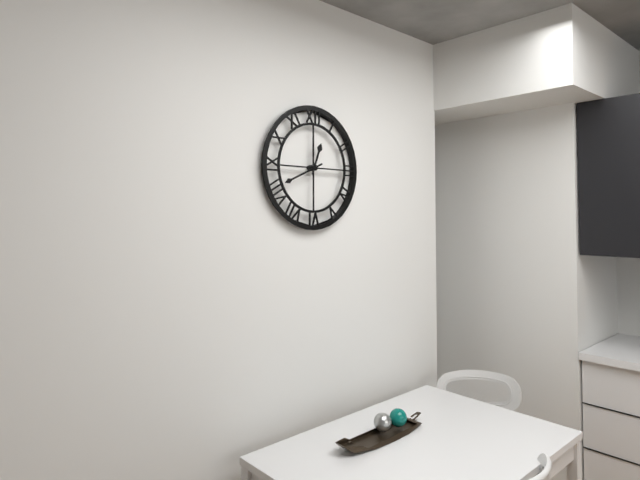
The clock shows 12 h 41 min
